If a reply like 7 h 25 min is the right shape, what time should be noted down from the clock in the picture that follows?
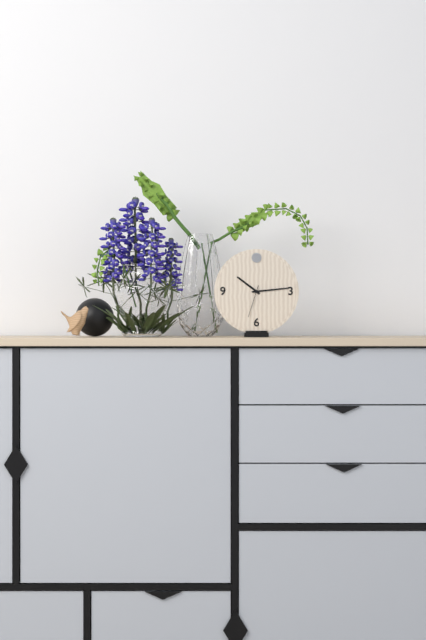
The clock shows 10 h 14 min
